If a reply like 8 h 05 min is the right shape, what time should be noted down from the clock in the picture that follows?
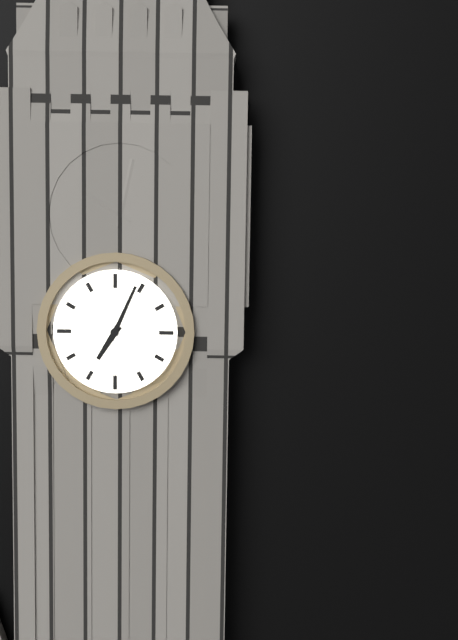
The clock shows 7 h 04 min
